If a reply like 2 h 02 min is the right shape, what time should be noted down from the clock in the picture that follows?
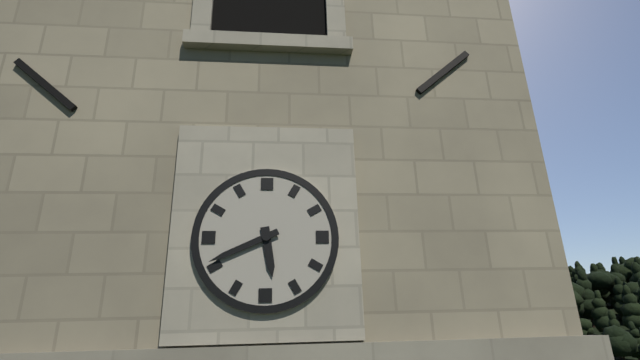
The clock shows 5 h 41 min
